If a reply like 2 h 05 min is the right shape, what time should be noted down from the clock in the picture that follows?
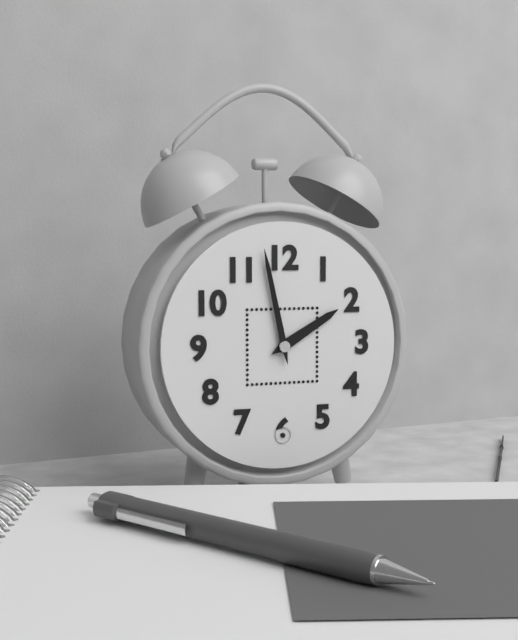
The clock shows 1 h 58 min
